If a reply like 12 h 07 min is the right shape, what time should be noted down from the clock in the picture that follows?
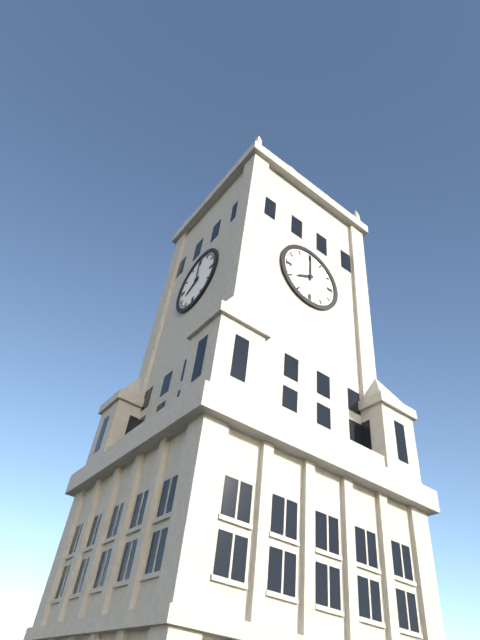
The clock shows 8 h 00 min
